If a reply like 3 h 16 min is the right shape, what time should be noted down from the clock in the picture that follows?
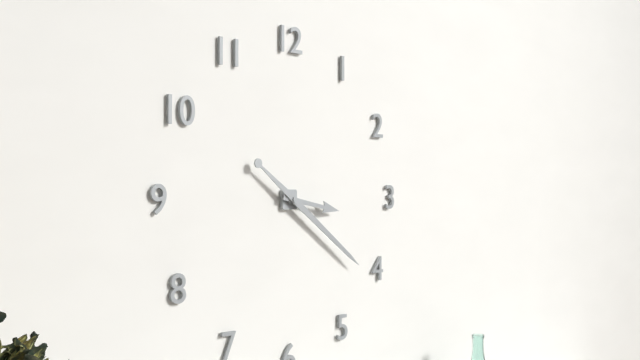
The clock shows 3 h 21 min
